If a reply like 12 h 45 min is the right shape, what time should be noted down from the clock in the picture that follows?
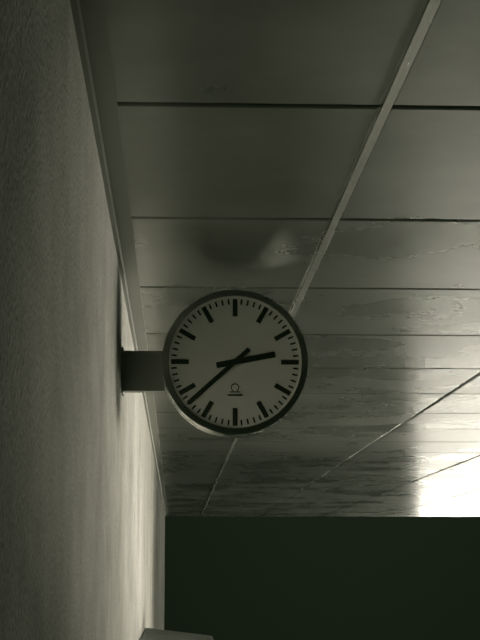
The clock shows 2 h 38 min
